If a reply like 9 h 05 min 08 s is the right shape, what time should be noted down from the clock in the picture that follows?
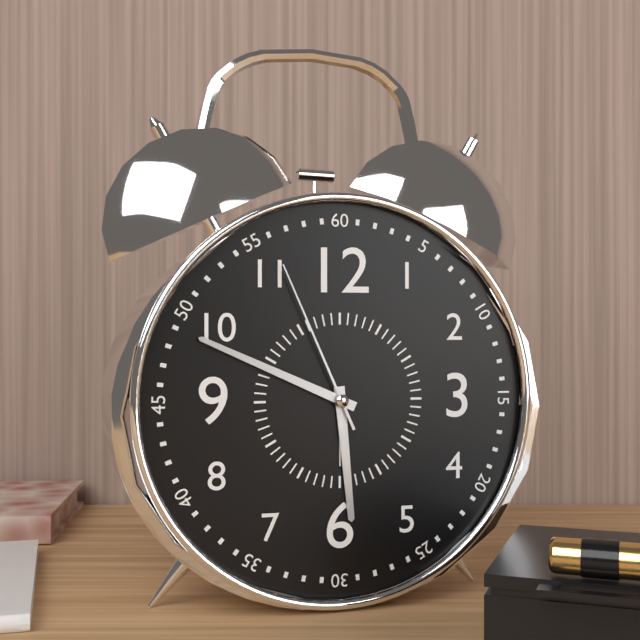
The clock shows 5 h 49 min 56 s
